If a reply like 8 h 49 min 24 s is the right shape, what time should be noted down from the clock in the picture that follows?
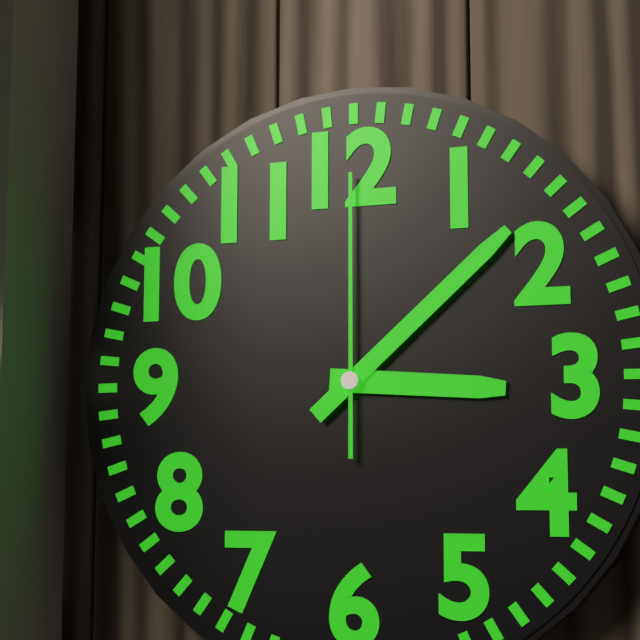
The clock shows 3 h 08 min 00 s
